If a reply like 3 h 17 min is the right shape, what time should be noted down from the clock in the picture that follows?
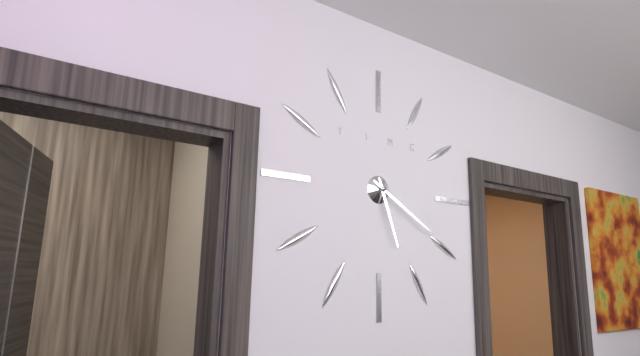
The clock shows 5 h 20 min
